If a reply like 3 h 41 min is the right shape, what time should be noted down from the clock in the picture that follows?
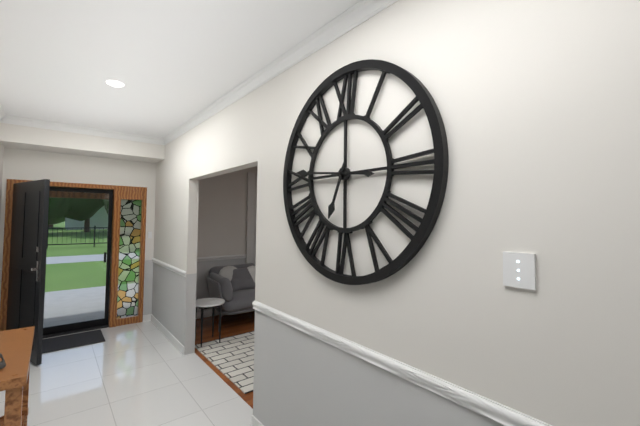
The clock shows 6 h 46 min
